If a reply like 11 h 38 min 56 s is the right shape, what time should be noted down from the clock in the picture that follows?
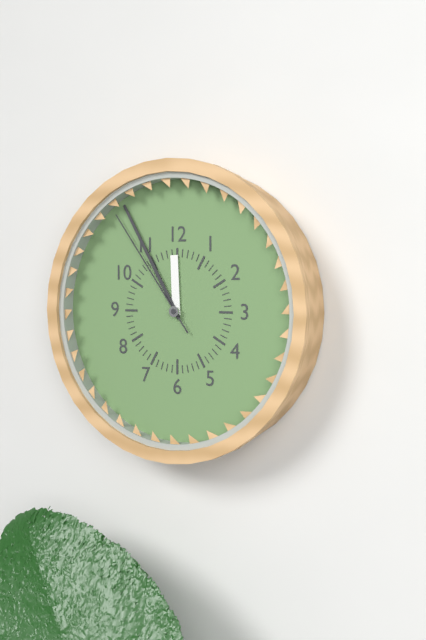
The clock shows 11 h 55 min 54 s
